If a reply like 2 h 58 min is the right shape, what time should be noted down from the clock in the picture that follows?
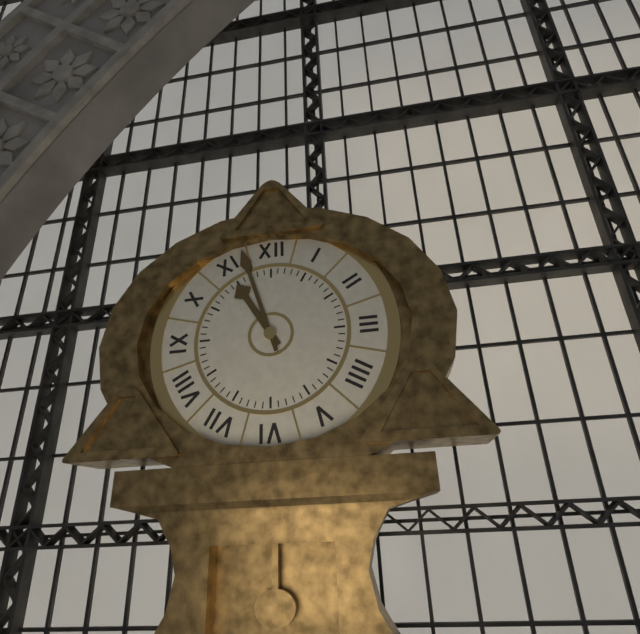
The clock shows 10 h 57 min
